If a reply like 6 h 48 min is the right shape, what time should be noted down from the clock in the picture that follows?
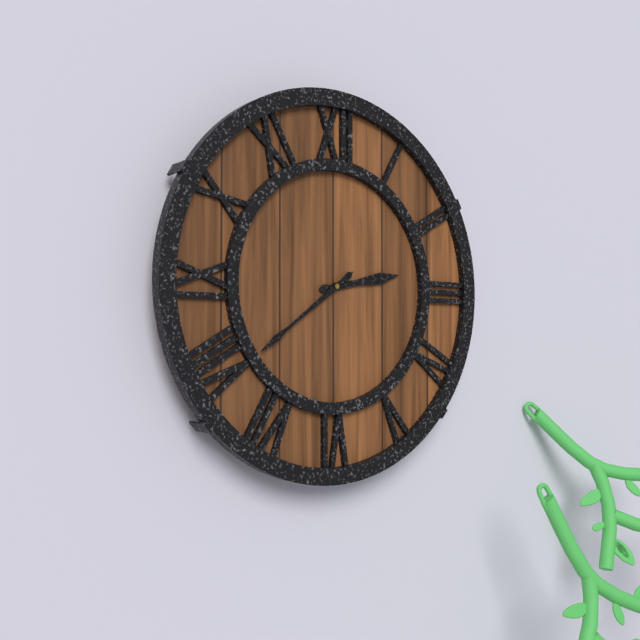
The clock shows 2 h 39 min
